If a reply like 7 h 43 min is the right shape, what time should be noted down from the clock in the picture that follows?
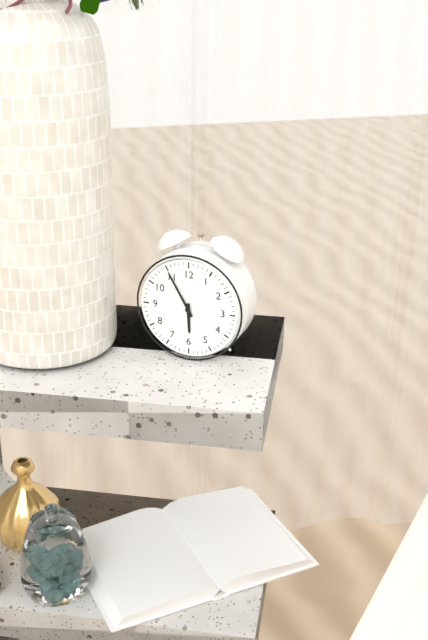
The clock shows 5 h 55 min
